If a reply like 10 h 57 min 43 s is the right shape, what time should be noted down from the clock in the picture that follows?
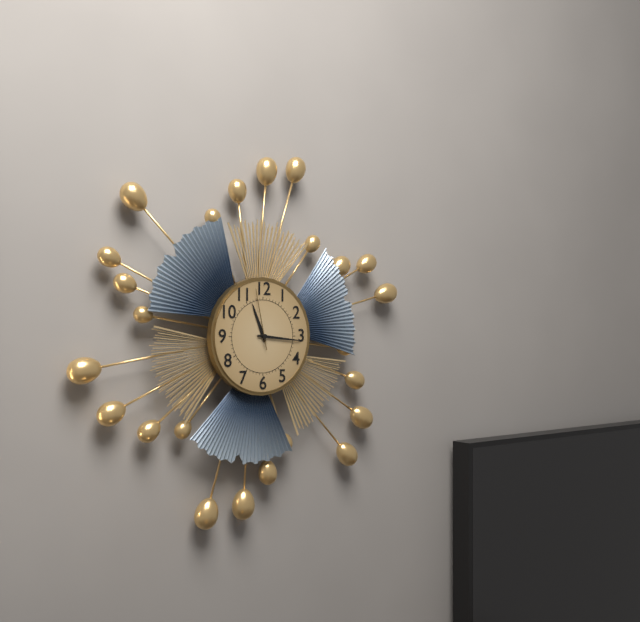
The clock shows 11 h 16 min 58 s
